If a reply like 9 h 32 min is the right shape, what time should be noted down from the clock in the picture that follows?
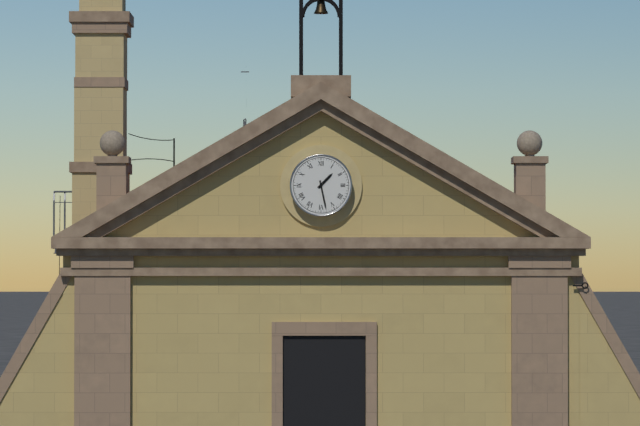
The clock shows 1 h 28 min
